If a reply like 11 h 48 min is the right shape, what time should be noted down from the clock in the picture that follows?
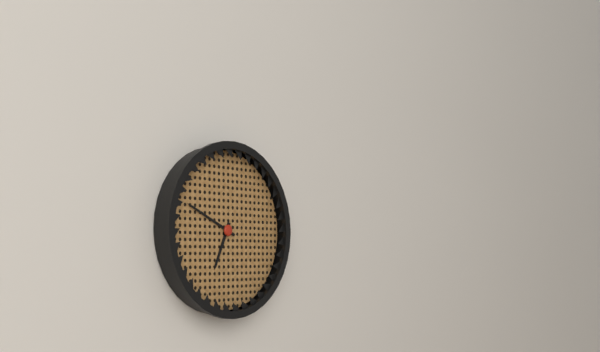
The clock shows 6 h 49 min
